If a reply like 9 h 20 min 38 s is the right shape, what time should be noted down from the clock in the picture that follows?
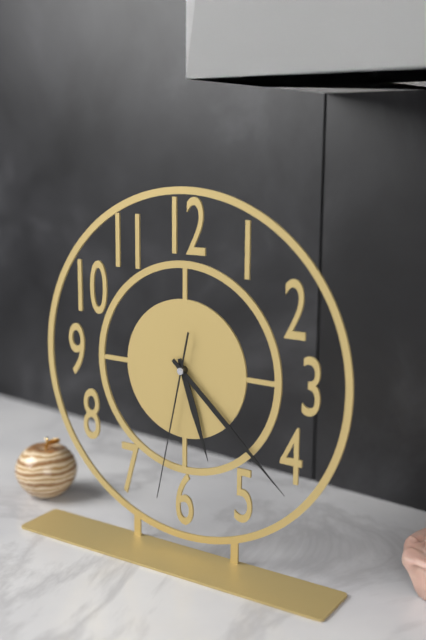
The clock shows 5 h 22 min 32 s
